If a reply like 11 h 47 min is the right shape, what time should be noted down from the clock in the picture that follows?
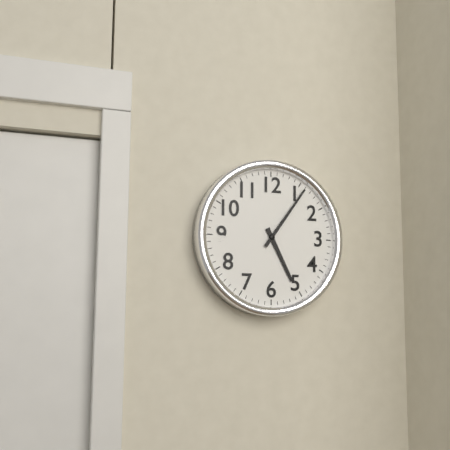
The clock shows 5 h 06 min
